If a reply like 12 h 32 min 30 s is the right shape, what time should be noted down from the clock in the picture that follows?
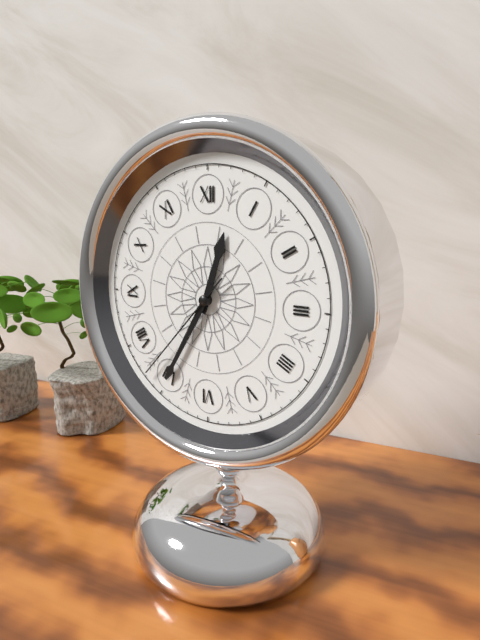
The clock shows 12 h 35 min 37 s
